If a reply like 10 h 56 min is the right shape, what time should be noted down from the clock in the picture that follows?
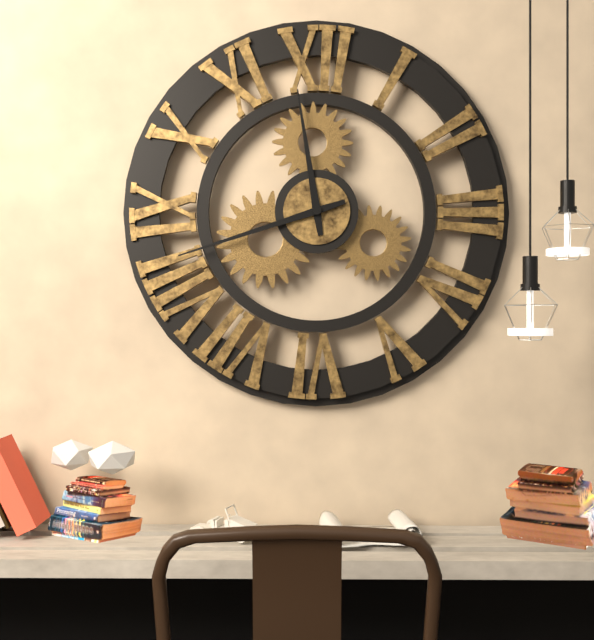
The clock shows 11 h 42 min
